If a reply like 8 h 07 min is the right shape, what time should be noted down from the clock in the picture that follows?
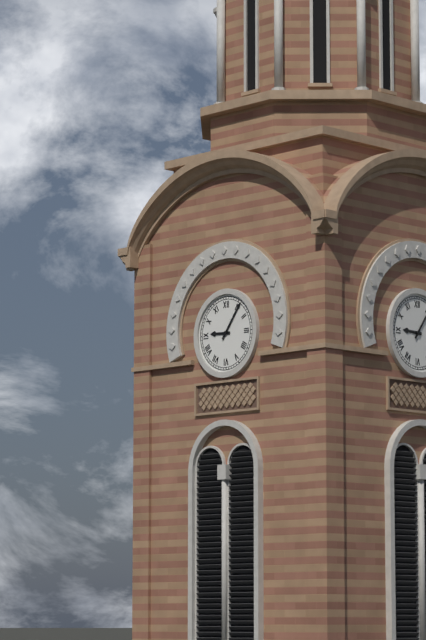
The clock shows 9 h 06 min
